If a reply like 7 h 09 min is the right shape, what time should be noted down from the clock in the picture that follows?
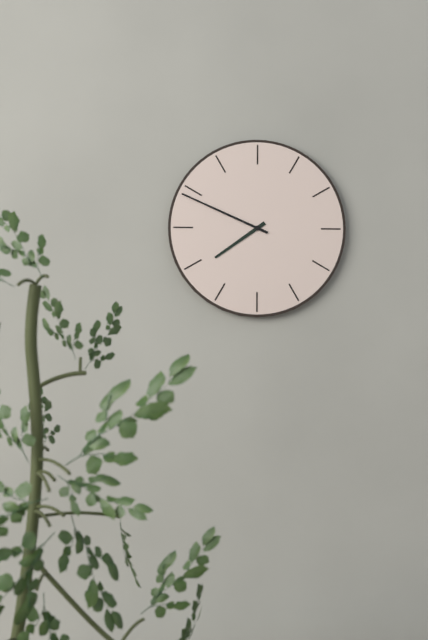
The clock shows 7 h 49 min
